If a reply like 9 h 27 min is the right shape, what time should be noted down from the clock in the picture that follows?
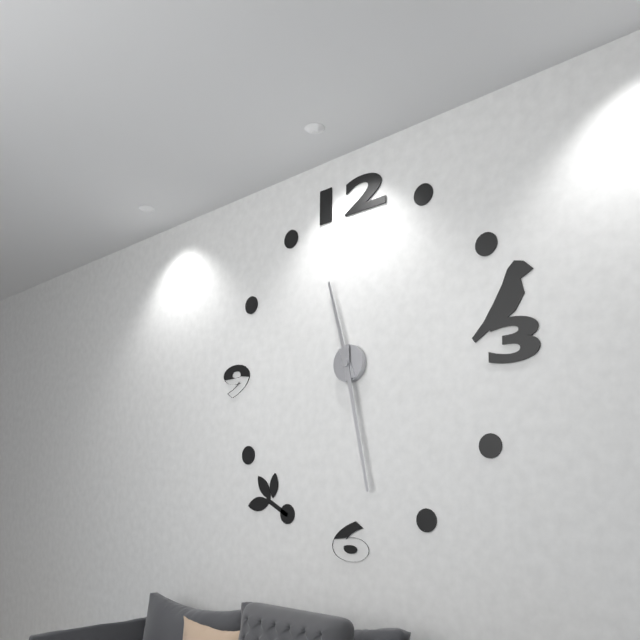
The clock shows 11 h 28 min
